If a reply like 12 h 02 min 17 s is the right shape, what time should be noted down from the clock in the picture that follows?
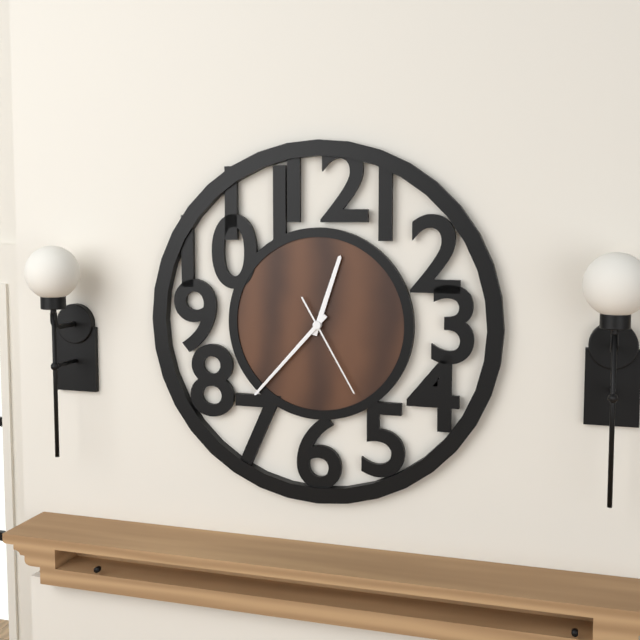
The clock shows 12 h 37 min 25 s
